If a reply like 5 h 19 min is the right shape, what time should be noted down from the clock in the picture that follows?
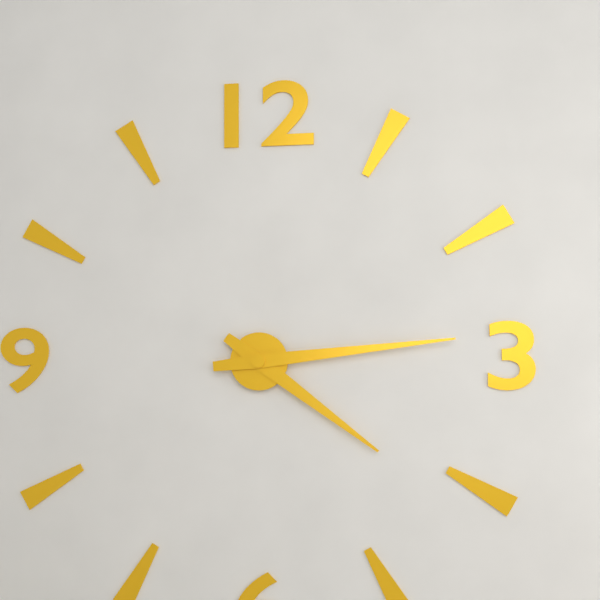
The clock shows 4 h 14 min
